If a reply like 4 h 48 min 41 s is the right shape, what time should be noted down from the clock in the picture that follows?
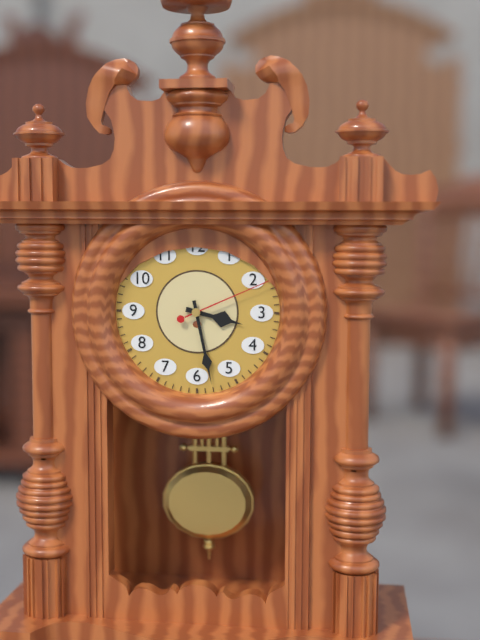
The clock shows 3 h 28 min 11 s
